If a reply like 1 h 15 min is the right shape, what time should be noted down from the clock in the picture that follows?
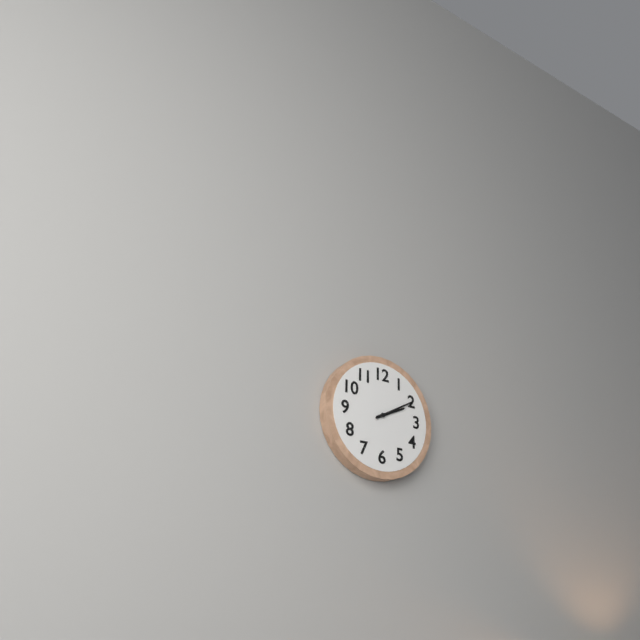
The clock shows 2 h 10 min
